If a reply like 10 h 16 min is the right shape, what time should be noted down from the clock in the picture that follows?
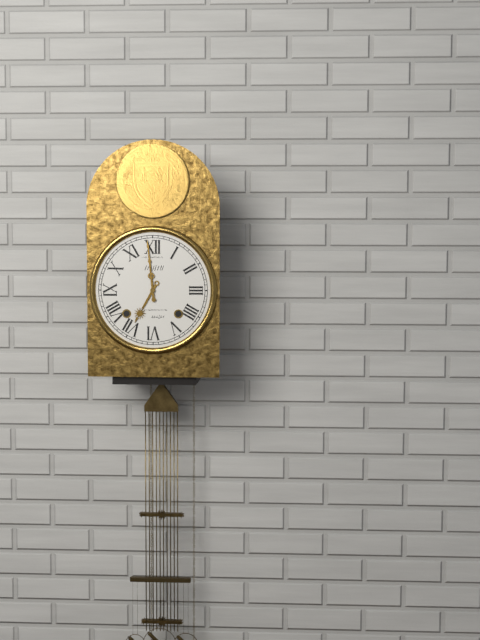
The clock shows 6 h 59 min
